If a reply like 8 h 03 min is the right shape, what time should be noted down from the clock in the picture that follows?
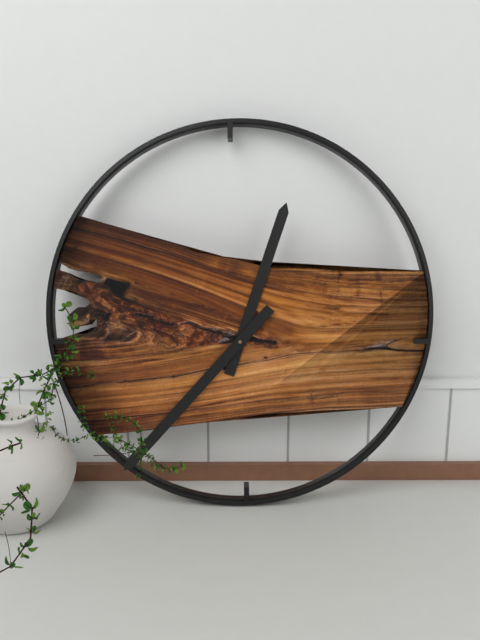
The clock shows 12 h 37 min
